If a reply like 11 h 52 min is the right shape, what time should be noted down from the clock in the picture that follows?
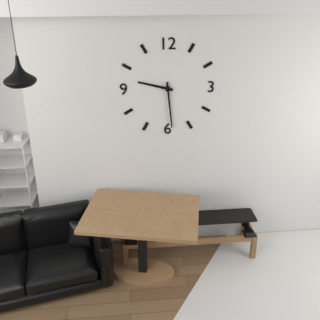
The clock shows 9 h 29 min
